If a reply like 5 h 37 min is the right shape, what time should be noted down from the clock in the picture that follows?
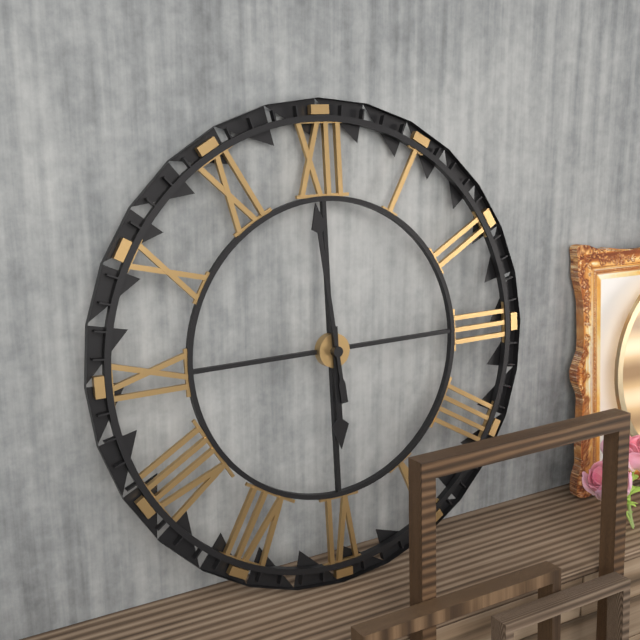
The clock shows 5 h 59 min
